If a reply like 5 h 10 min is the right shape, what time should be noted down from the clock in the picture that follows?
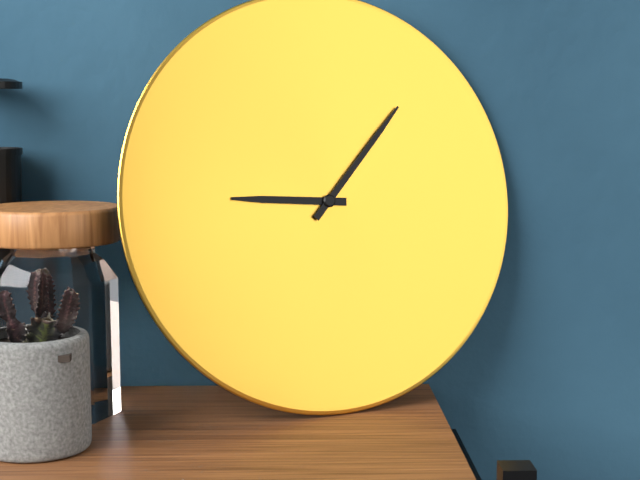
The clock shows 9 h 07 min
